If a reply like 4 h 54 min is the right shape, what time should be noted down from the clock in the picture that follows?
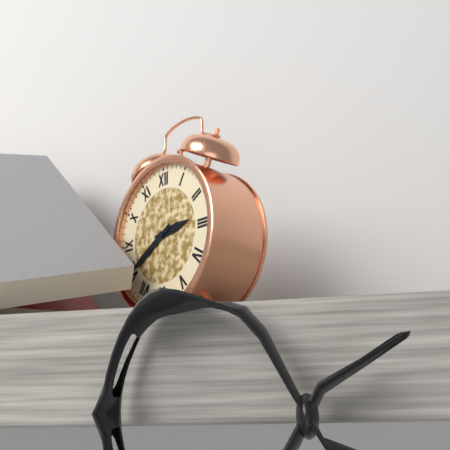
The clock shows 2 h 40 min
